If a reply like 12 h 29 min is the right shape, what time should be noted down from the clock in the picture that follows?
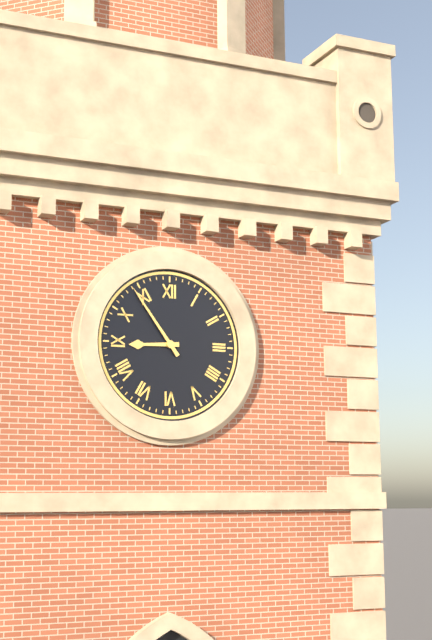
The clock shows 8 h 54 min
